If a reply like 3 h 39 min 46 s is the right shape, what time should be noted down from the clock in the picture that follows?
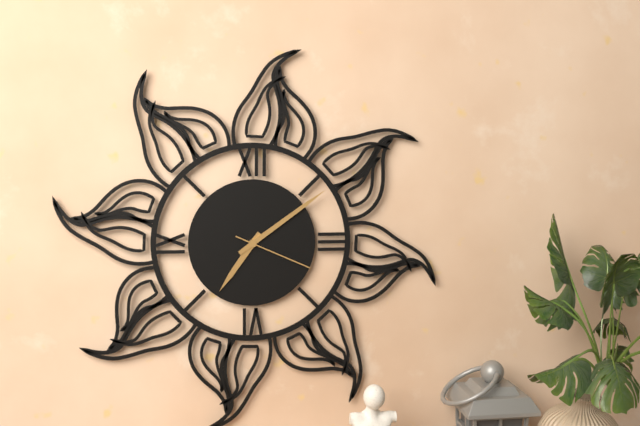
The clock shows 7 h 09 min 19 s
